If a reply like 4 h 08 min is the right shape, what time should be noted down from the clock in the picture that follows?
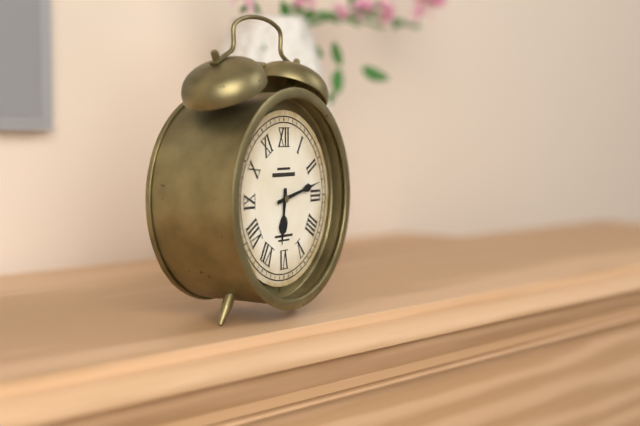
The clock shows 6 h 13 min
